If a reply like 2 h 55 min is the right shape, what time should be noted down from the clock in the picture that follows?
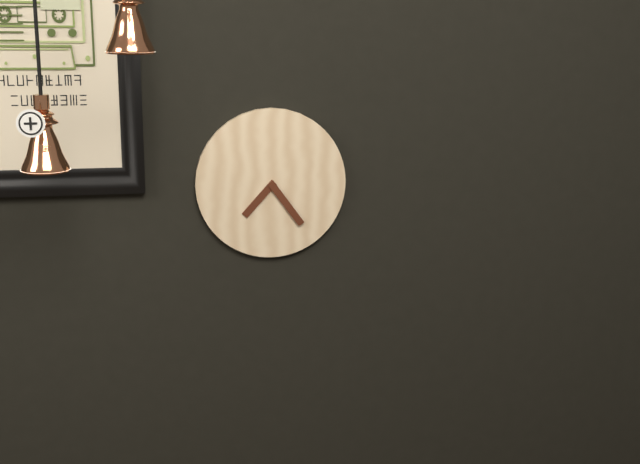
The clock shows 7 h 24 min
